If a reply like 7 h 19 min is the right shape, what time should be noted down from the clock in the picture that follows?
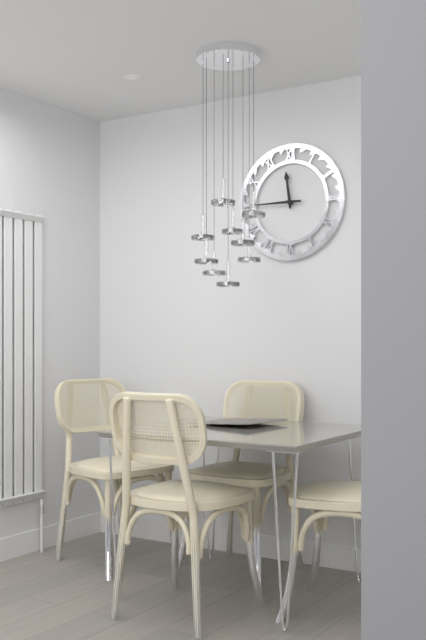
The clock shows 11 h 45 min
